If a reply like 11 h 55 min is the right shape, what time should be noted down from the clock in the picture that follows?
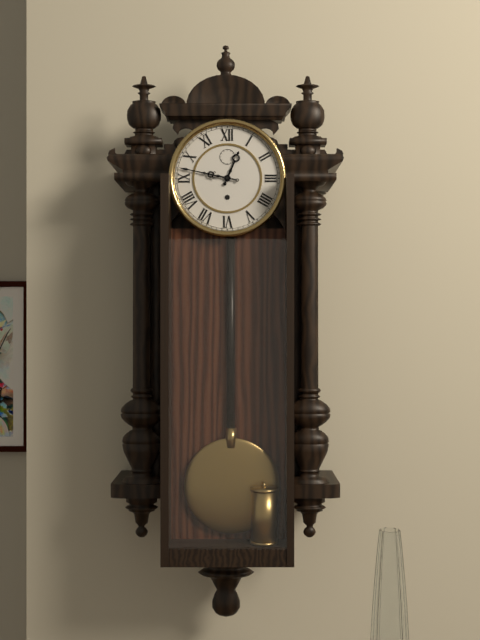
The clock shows 12 h 47 min
